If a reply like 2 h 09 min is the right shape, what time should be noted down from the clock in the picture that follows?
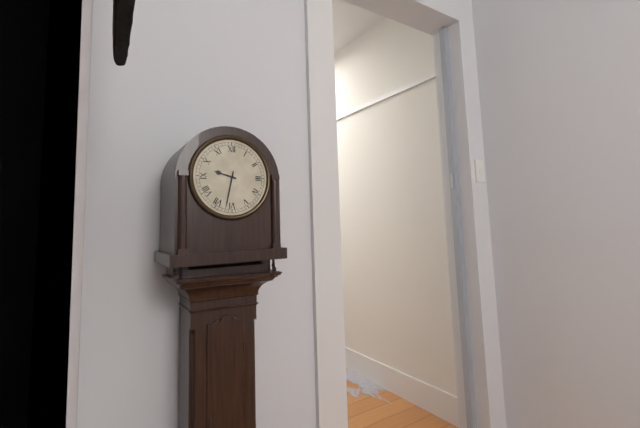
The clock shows 9 h 32 min
